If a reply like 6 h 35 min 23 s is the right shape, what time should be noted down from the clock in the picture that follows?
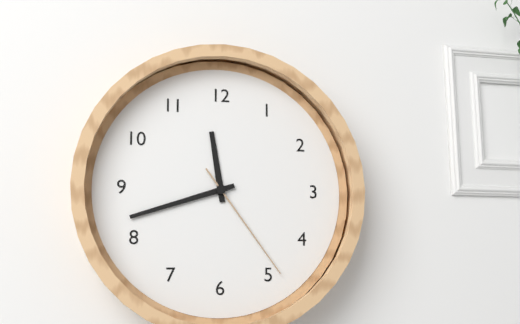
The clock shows 11 h 42 min 24 s
